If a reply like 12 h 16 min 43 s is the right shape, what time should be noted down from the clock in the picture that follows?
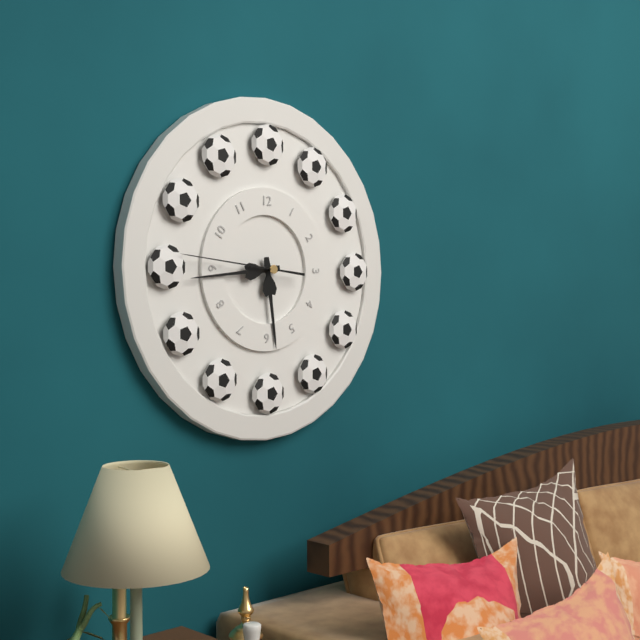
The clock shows 5 h 44 min 46 s
